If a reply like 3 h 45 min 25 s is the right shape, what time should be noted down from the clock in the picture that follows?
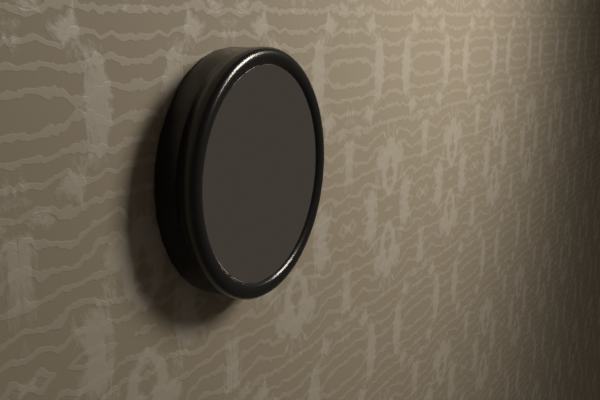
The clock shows 3 h 30 min 31 s
